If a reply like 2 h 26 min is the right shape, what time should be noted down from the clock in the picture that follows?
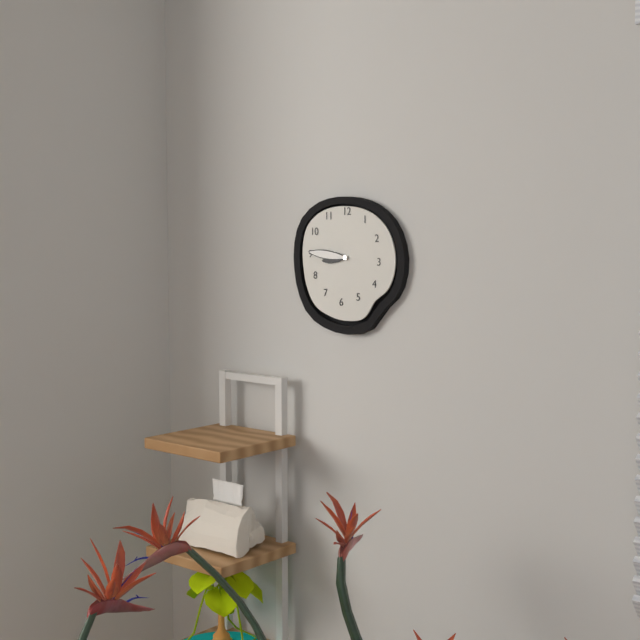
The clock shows 8 h 46 min
